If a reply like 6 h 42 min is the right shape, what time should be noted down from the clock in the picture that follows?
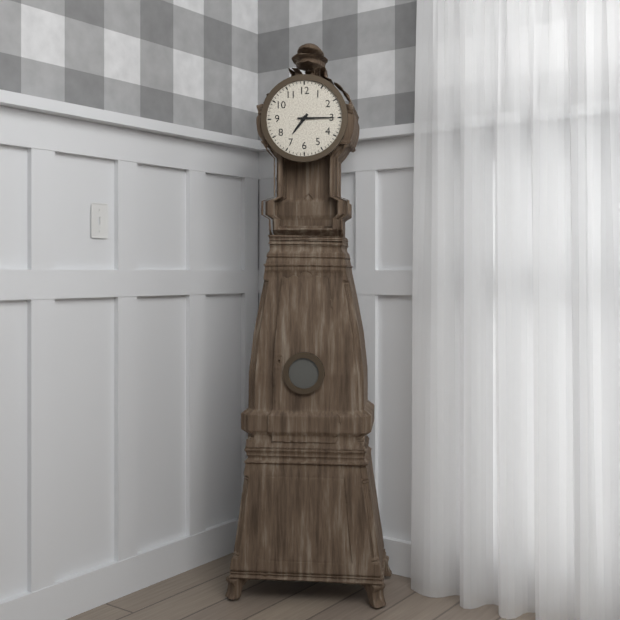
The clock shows 7 h 15 min
